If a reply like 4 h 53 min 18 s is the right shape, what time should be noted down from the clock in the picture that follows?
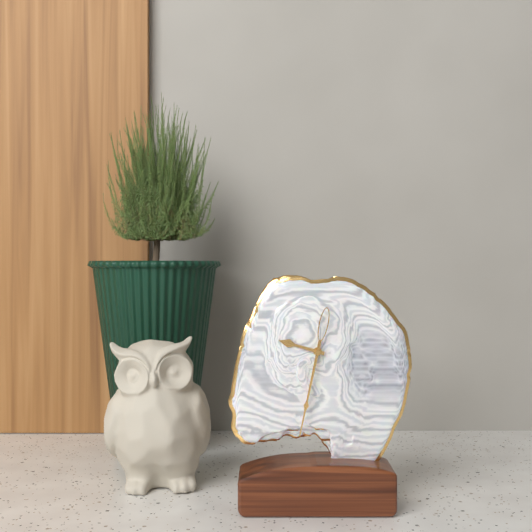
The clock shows 9 h 32 min 32 s
